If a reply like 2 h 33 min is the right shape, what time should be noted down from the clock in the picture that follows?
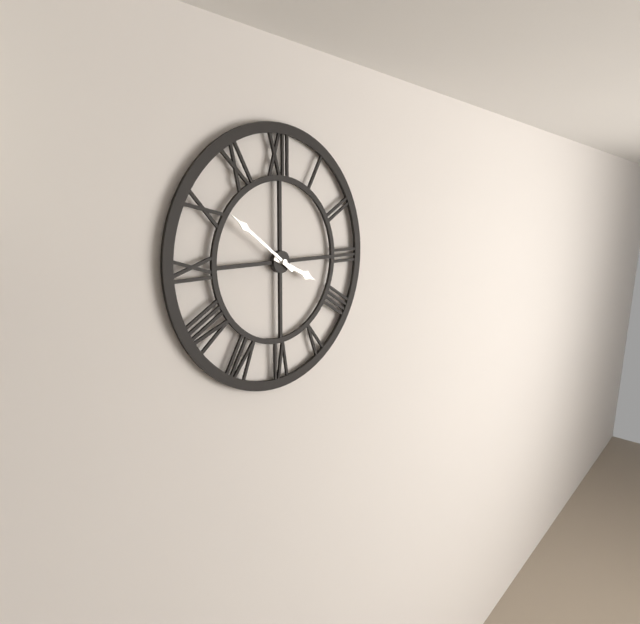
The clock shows 3 h 51 min
